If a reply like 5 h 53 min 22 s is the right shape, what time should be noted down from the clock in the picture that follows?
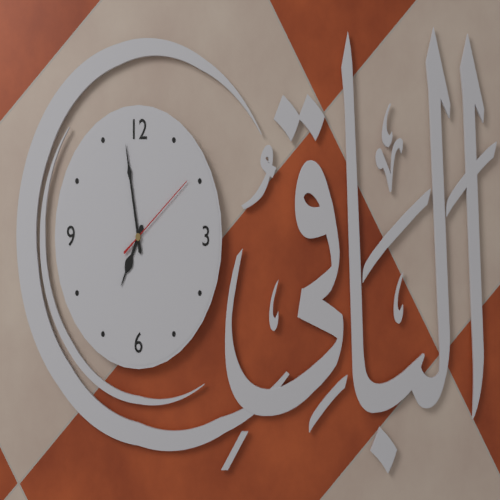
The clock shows 6 h 58 min 09 s
